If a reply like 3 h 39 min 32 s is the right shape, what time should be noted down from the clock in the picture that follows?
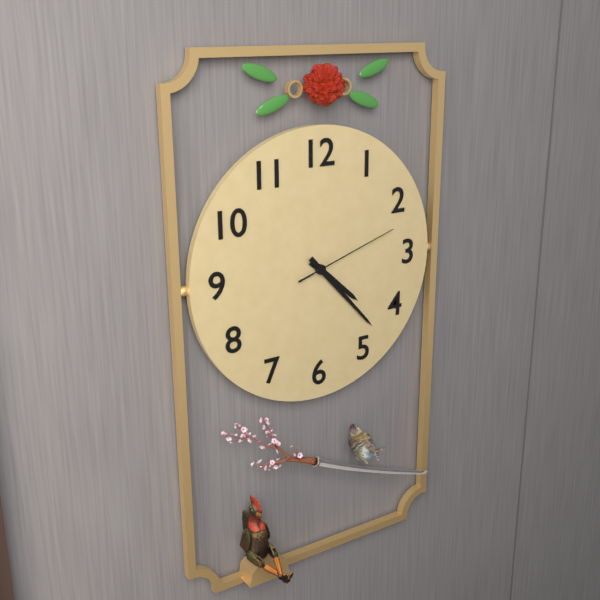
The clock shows 4 h 23 min 12 s
